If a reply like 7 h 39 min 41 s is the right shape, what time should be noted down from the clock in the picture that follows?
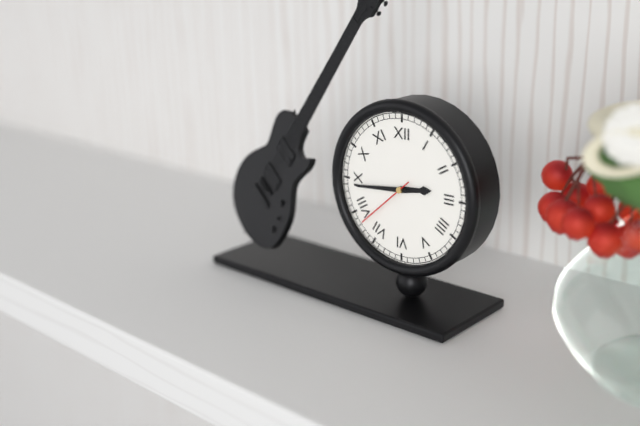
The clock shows 2 h 44 min 38 s
